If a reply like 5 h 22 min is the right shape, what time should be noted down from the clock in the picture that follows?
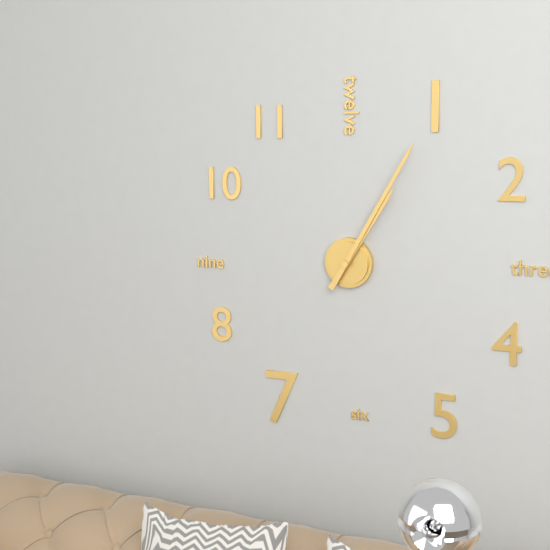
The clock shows 1 h 05 min
